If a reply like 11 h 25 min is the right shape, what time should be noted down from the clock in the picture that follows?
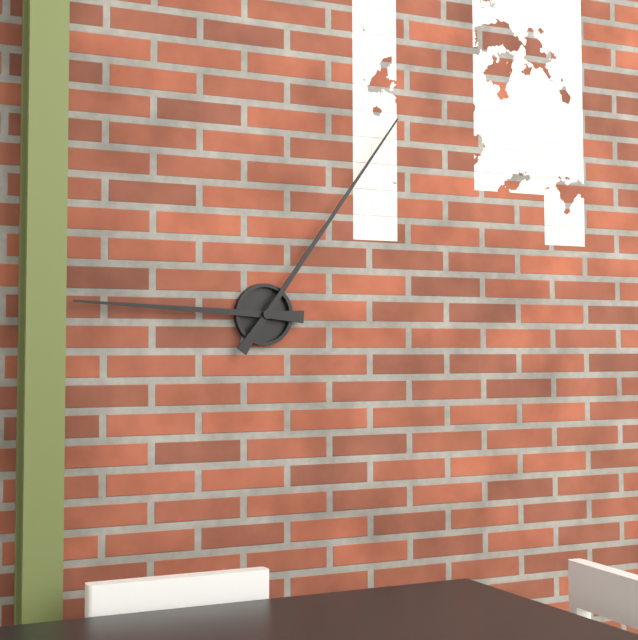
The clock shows 9 h 06 min
